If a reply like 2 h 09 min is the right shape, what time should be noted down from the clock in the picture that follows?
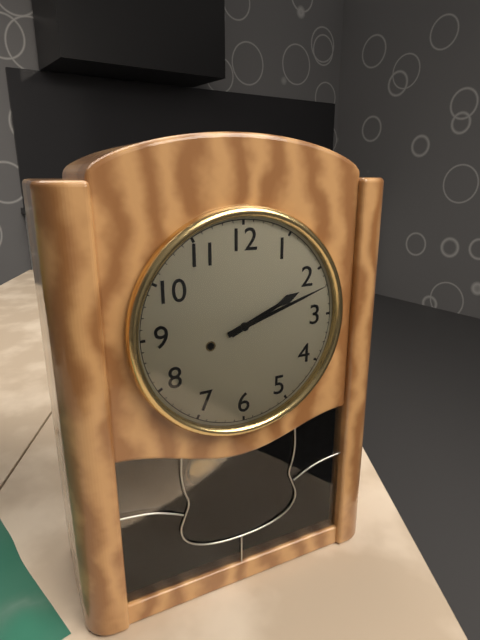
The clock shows 2 h 12 min
